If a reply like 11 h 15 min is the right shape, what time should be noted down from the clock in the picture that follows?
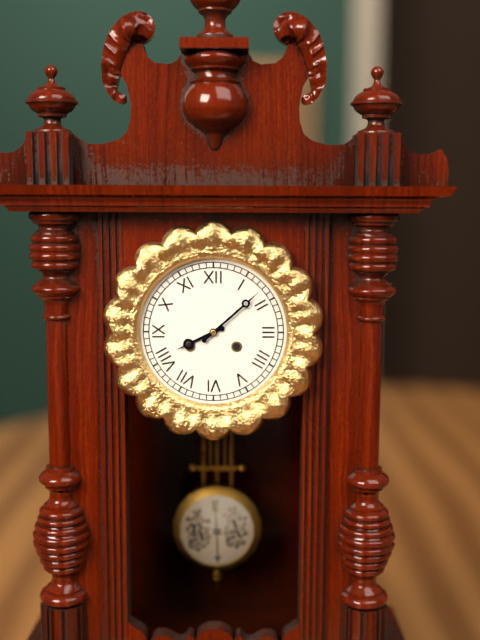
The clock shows 8 h 08 min
